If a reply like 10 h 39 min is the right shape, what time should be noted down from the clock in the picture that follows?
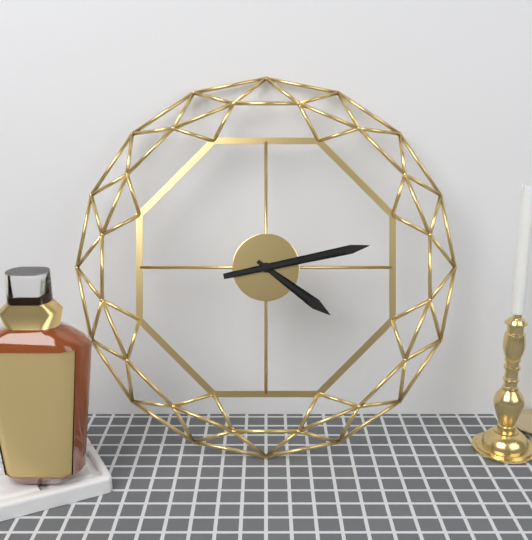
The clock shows 4 h 13 min
